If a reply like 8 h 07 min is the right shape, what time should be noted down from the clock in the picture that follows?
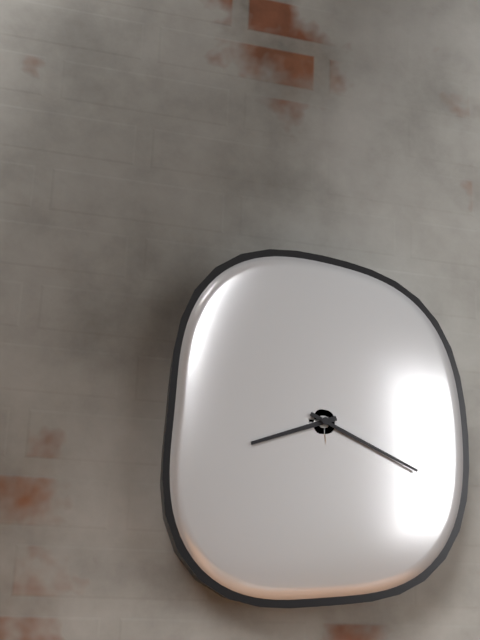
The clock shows 8 h 19 min
